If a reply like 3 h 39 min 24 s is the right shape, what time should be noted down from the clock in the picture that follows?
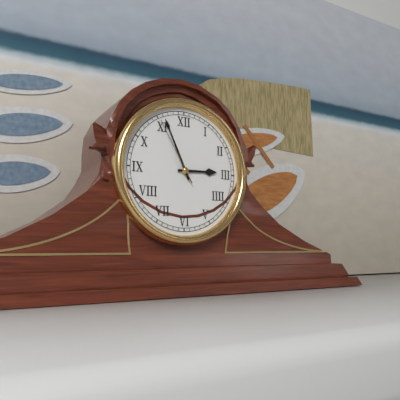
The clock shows 2 h 56 min 55 s
